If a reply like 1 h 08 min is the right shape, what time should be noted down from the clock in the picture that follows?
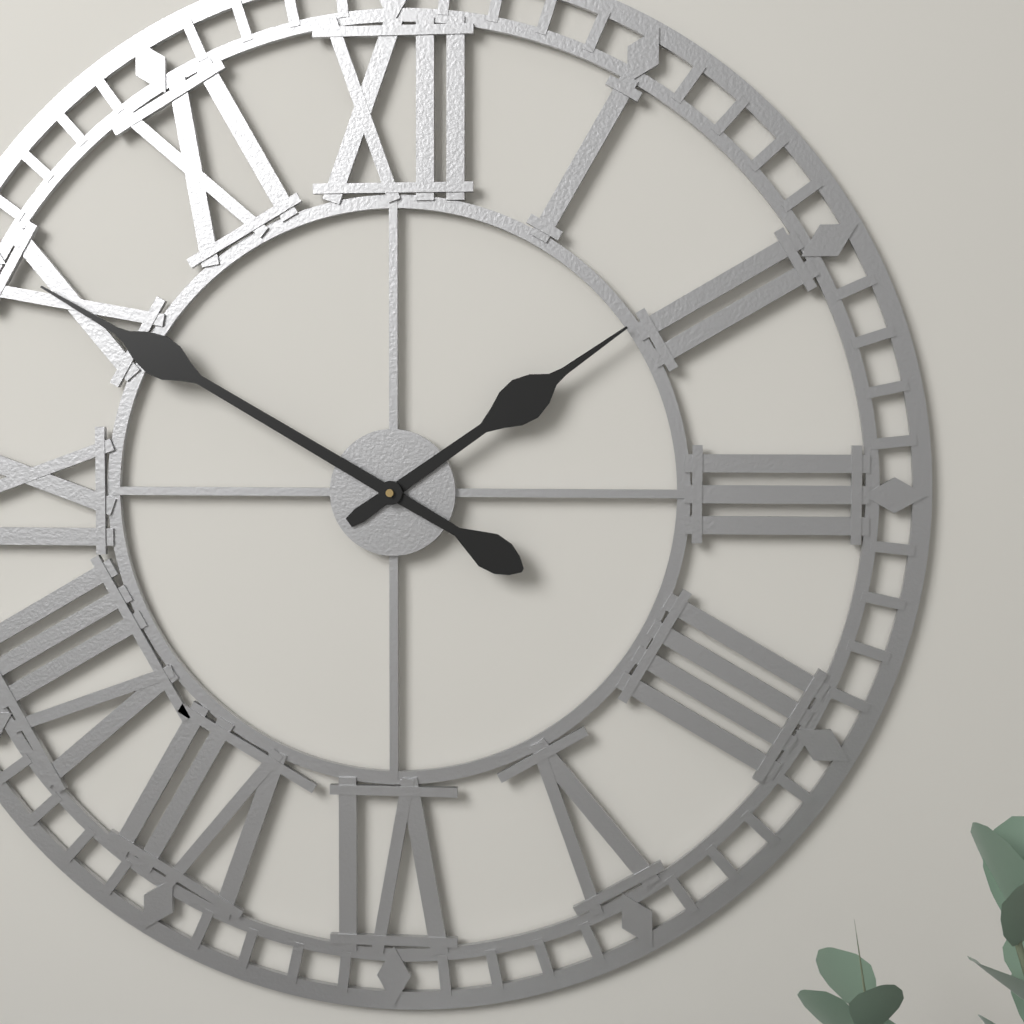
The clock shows 1 h 50 min
